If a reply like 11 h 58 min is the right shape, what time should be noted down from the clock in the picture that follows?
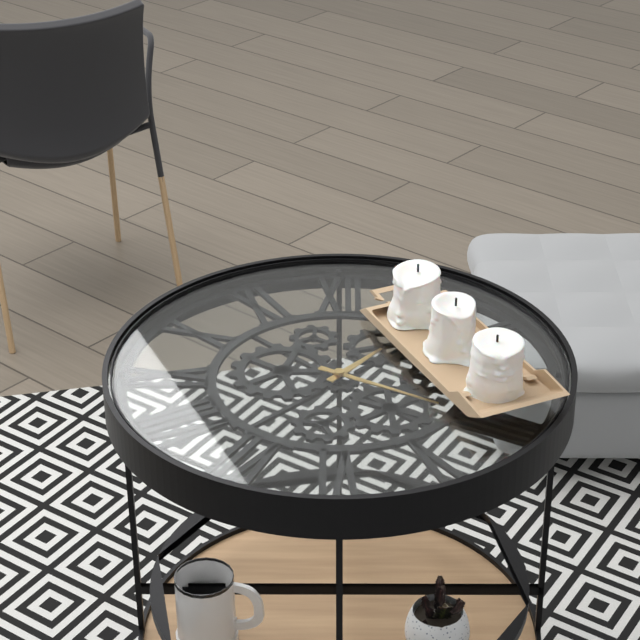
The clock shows 1 h 20 min
